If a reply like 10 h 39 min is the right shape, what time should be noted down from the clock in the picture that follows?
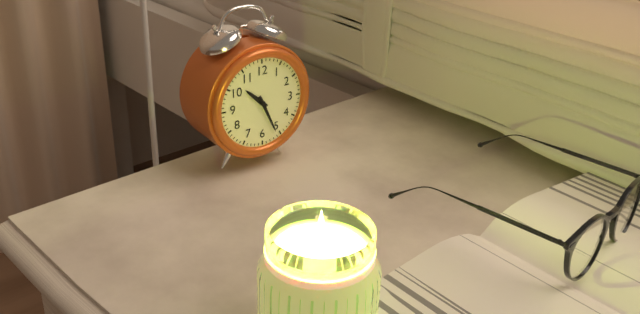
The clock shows 10 h 26 min
